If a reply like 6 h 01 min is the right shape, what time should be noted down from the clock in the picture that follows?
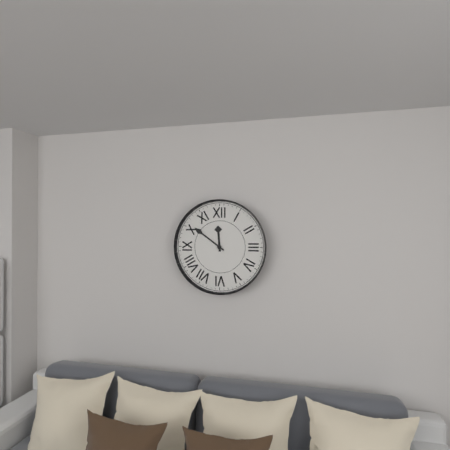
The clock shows 11 h 51 min
